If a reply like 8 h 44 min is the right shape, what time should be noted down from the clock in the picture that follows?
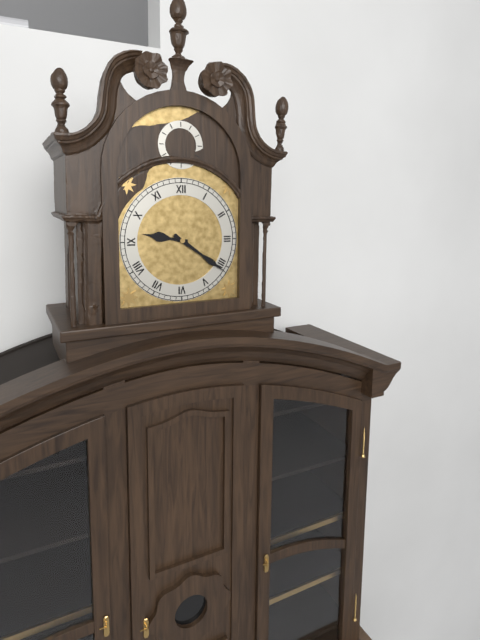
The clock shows 9 h 21 min
